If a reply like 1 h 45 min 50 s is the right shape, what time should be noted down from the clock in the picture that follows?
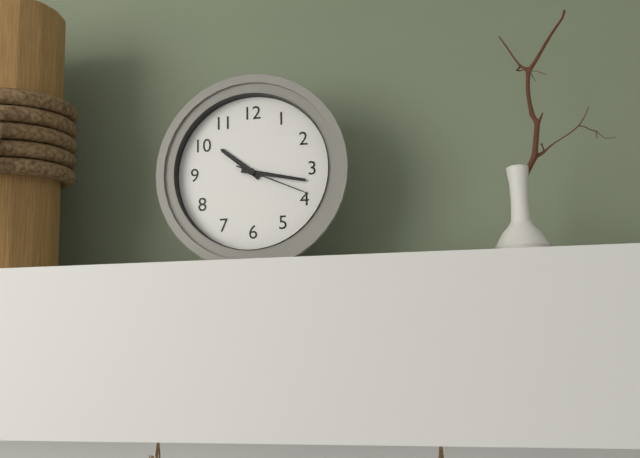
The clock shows 10 h 17 min 19 s
